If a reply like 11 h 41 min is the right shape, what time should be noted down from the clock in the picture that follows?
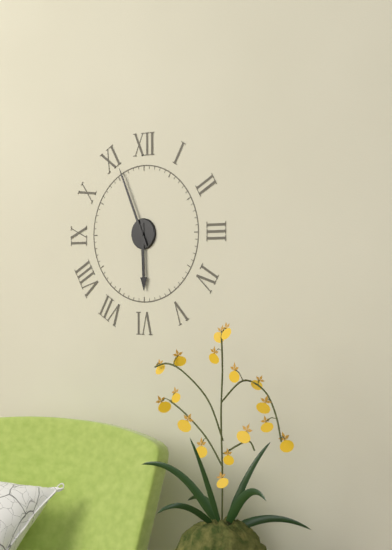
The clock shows 5 h 56 min
